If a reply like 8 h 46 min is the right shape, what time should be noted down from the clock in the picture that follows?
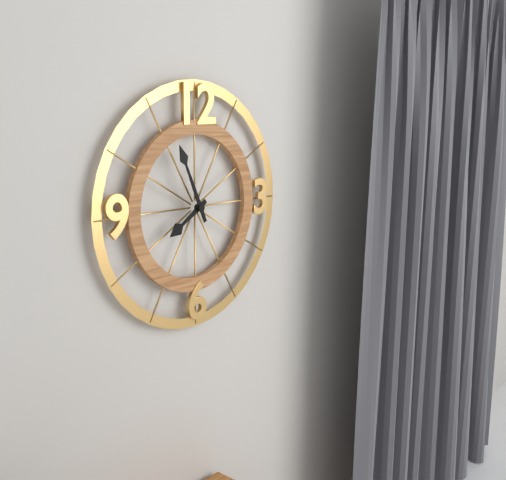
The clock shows 7 h 56 min
